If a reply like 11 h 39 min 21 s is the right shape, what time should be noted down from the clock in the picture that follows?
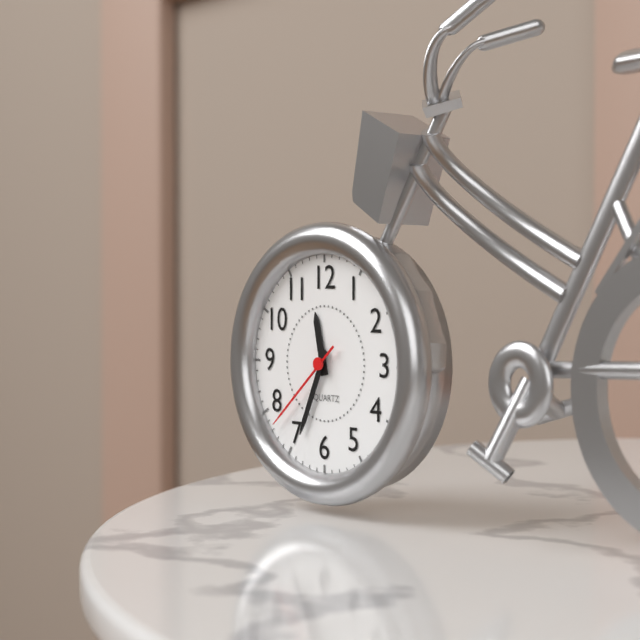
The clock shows 11 h 34 min 38 s
